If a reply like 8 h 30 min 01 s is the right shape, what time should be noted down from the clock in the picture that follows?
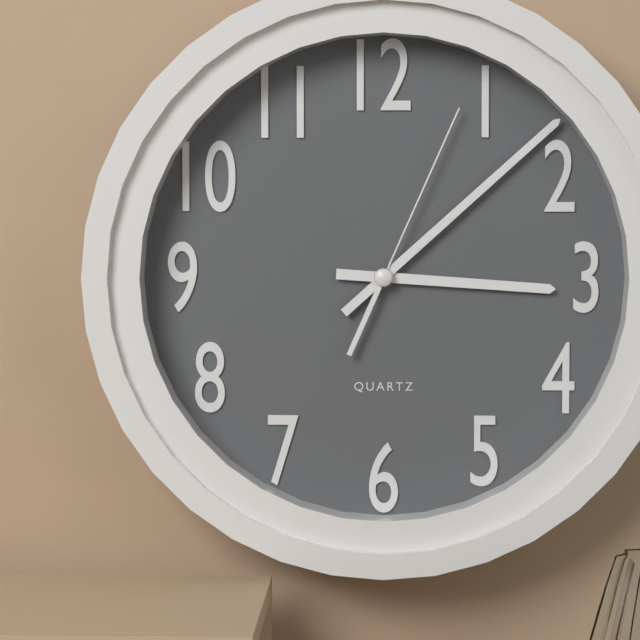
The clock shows 3 h 08 min 04 s
